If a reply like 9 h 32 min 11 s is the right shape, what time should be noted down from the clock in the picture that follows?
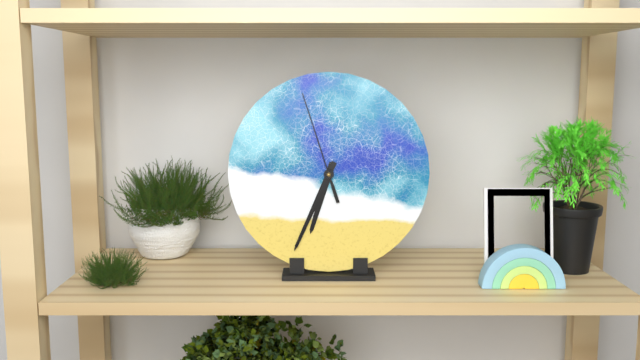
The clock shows 6 h 34 min 57 s
